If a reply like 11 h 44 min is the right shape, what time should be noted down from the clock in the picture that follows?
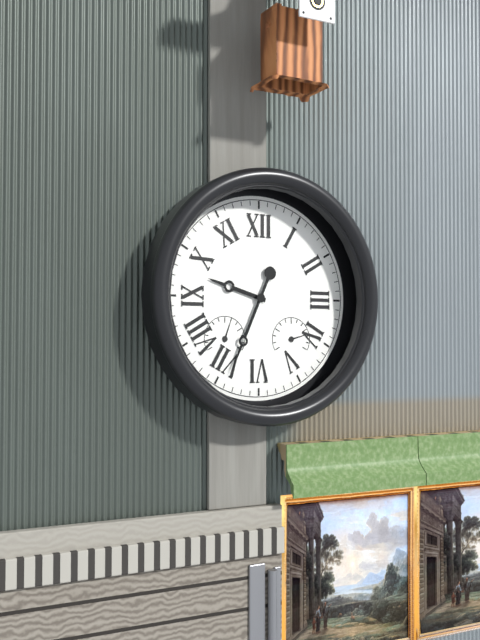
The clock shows 9 h 34 min
